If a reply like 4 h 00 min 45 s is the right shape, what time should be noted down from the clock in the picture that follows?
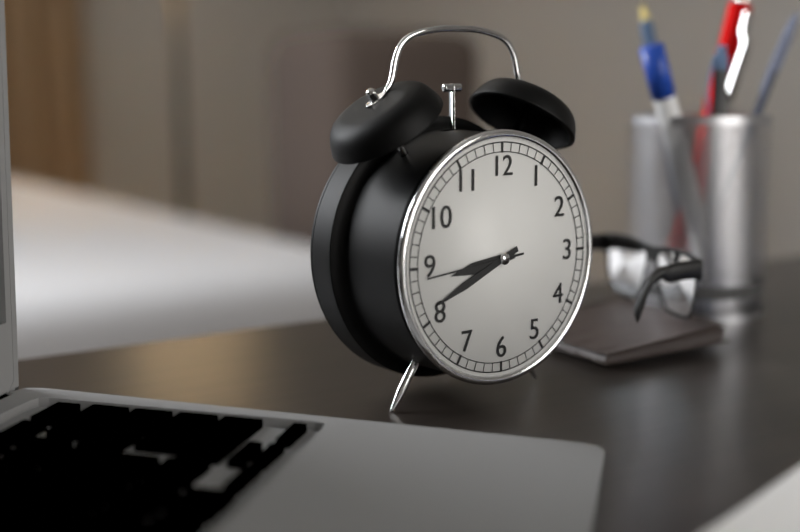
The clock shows 8 h 41 min 44 s
